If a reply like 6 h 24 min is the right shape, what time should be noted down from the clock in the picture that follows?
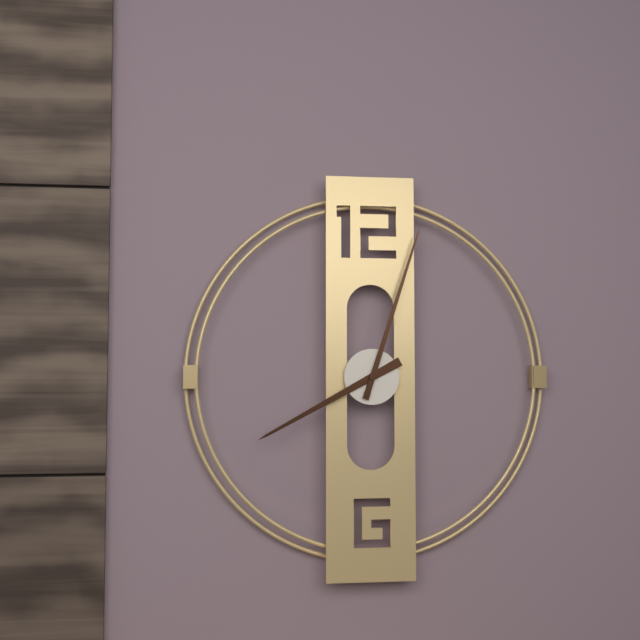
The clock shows 8 h 03 min
